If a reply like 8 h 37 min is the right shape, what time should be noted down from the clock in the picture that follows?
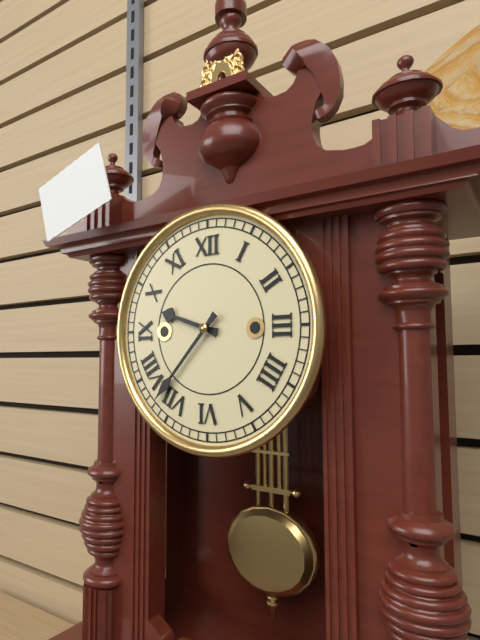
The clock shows 9 h 37 min
